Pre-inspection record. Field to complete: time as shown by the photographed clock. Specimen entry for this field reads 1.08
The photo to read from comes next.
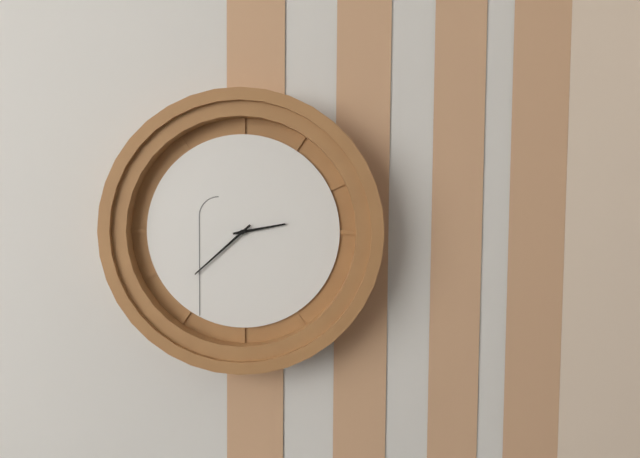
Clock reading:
2.38
